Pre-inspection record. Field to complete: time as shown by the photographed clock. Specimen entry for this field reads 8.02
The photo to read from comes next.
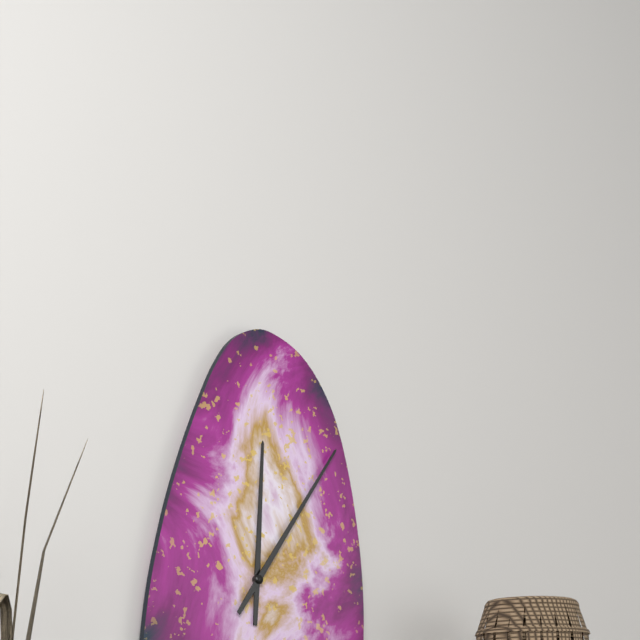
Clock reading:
12.06
